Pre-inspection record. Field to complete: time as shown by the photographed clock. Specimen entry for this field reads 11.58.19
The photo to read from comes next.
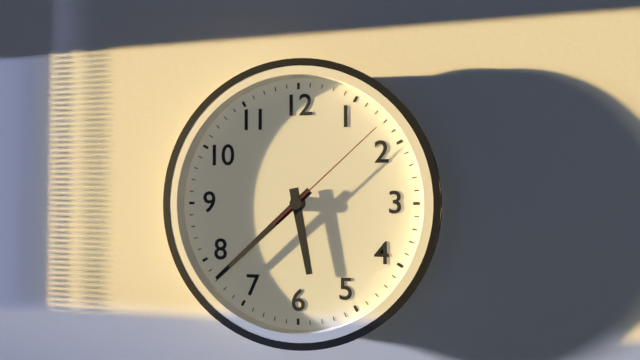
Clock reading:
5.38.08
